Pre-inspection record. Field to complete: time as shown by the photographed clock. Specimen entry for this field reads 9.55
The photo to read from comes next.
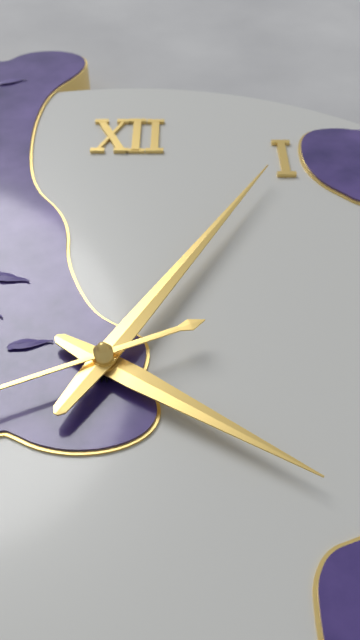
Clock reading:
4.05
